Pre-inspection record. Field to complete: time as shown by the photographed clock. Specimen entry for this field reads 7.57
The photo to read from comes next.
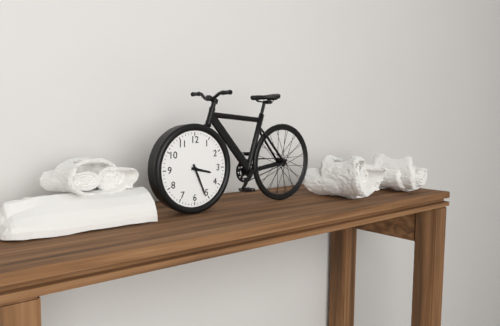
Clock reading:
3.26
